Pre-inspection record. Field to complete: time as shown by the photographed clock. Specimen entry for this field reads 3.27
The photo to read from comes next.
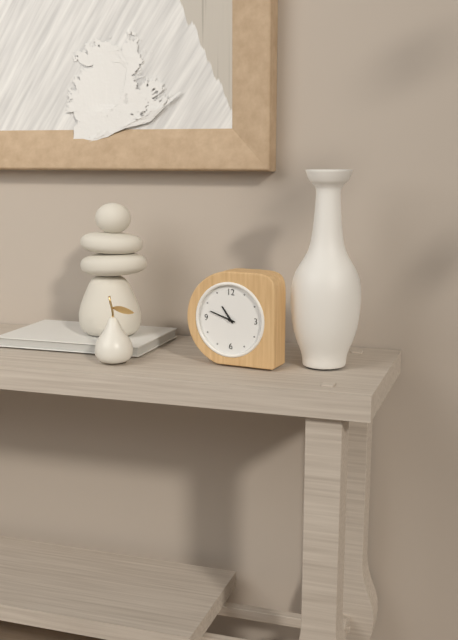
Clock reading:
10.48
